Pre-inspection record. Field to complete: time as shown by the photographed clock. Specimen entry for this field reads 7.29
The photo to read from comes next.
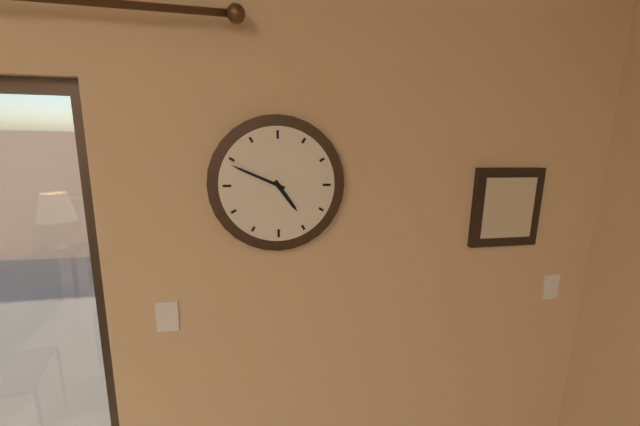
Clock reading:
4.49
